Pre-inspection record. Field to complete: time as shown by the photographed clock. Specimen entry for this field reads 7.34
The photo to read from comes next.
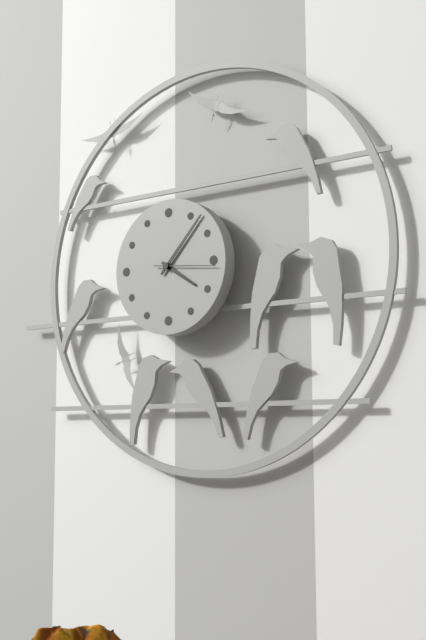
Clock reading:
4.07
